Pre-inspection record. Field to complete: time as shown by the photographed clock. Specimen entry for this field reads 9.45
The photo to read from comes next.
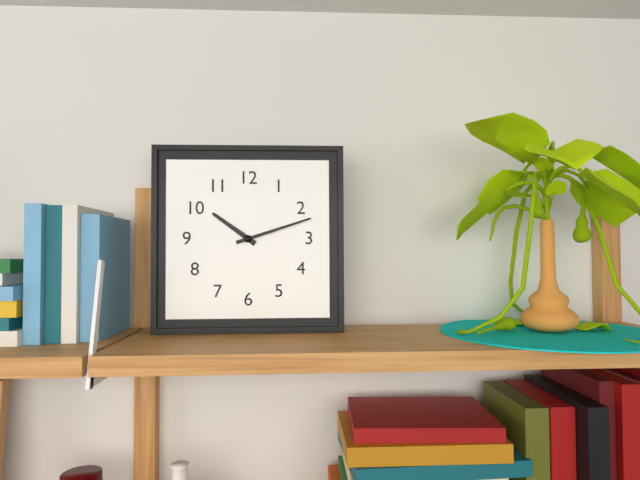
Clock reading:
10.12
